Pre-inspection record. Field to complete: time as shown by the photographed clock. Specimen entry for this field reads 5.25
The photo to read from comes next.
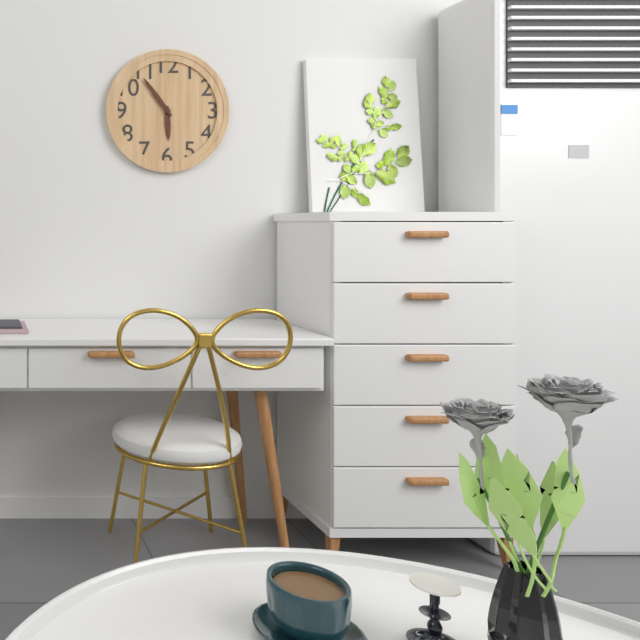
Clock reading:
5.54
